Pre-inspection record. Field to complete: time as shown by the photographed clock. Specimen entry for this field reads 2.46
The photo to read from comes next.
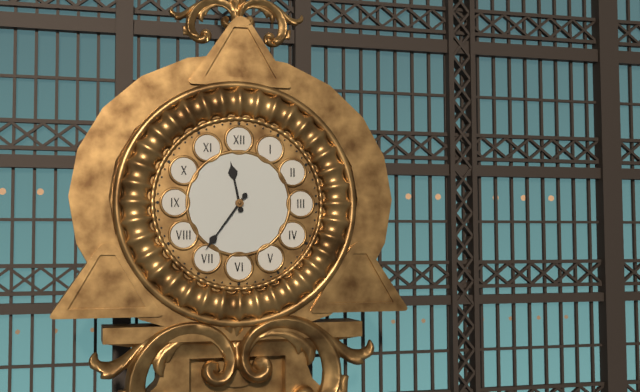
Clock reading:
11.36
